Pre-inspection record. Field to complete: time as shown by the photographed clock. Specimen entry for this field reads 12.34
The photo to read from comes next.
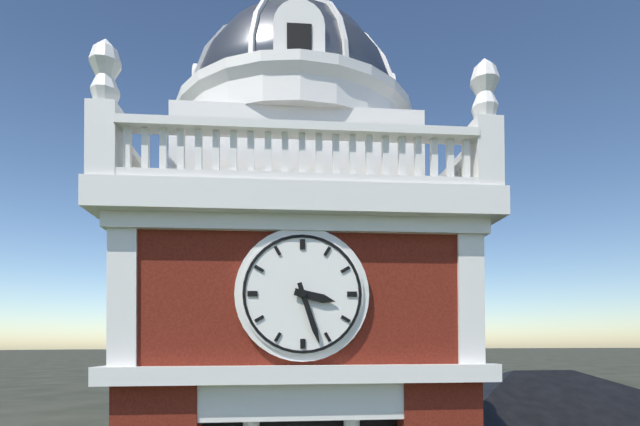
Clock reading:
3.27
